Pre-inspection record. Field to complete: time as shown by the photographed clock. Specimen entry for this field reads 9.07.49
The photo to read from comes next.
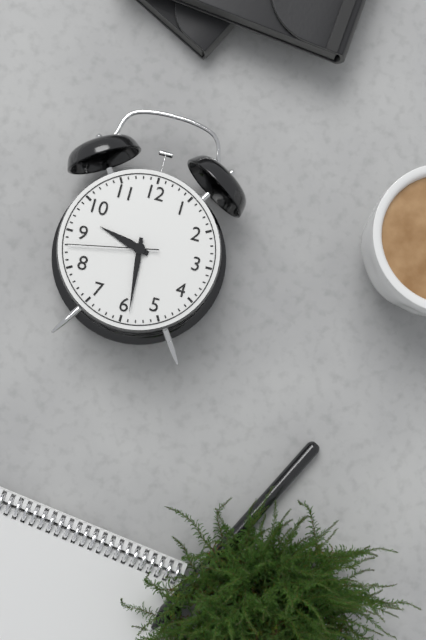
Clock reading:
9.29.43
